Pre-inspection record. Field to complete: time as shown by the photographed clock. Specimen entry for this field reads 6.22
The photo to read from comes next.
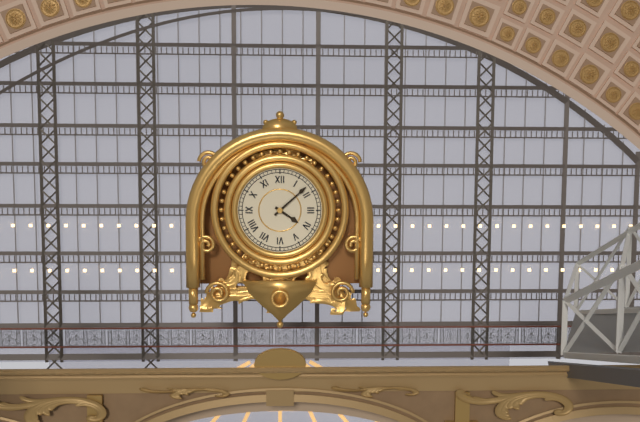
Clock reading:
4.08
